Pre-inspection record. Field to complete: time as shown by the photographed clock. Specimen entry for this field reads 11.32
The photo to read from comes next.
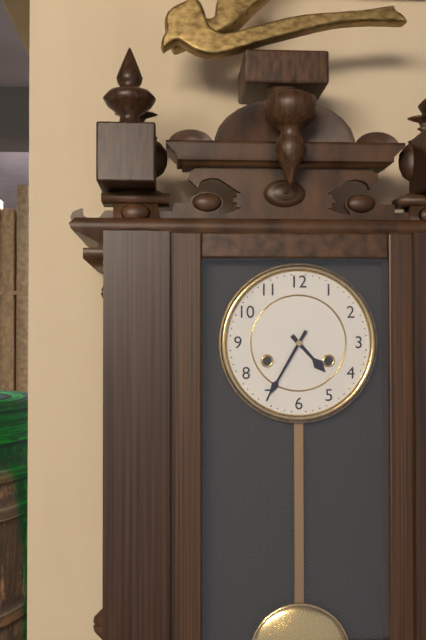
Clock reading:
4.35
